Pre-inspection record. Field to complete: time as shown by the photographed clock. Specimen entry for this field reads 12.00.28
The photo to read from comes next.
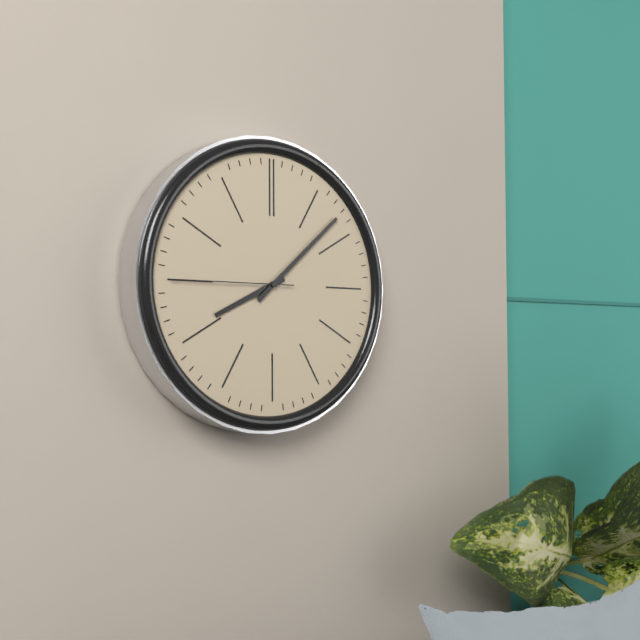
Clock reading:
8.08.45
